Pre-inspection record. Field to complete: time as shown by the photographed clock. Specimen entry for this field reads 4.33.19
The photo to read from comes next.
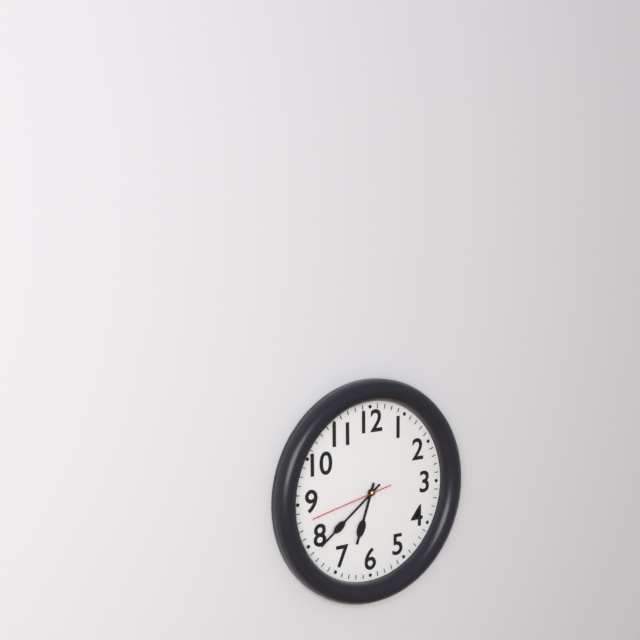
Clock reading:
6.39.43
